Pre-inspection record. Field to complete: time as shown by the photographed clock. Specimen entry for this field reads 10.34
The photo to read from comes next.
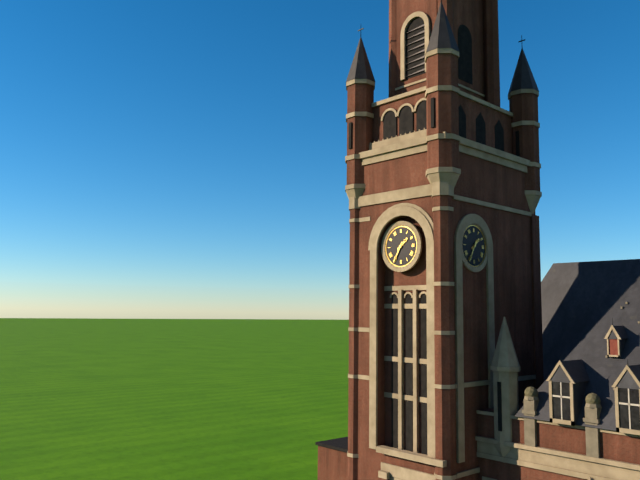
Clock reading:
1.35
